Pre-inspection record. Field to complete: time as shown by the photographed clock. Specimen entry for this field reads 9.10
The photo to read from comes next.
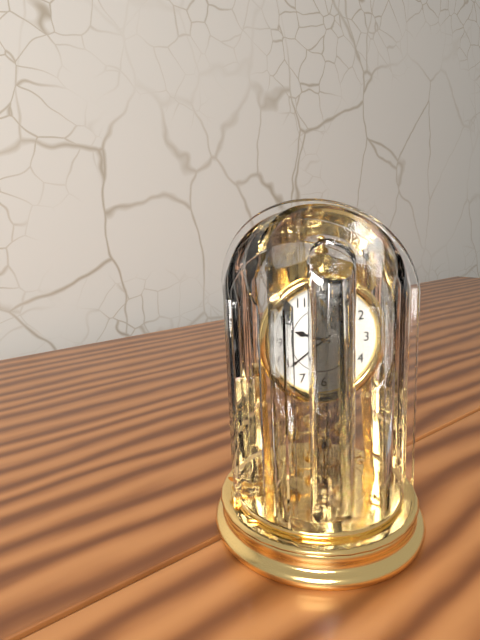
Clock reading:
9.39
